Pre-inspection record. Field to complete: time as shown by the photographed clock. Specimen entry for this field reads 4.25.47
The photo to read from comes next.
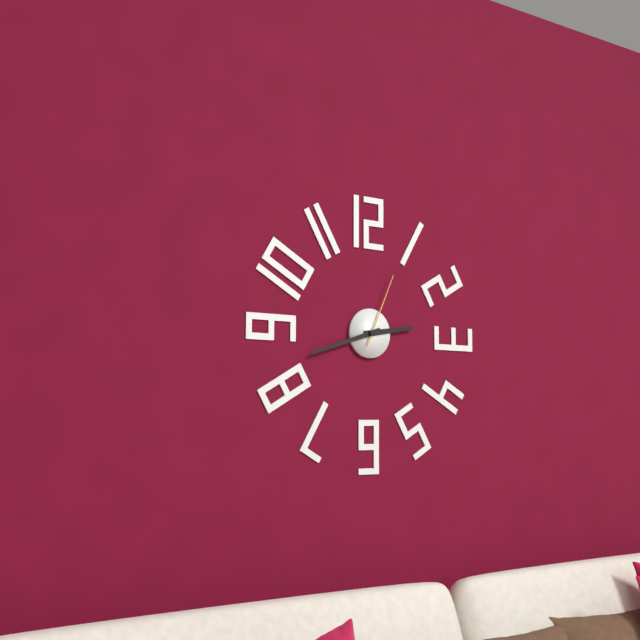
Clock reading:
2.42.04
